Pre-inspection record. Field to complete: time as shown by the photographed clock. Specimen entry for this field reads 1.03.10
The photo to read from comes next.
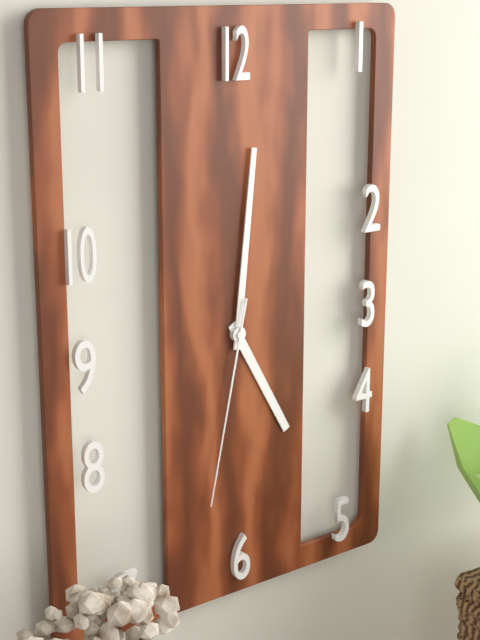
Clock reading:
5.01.32
